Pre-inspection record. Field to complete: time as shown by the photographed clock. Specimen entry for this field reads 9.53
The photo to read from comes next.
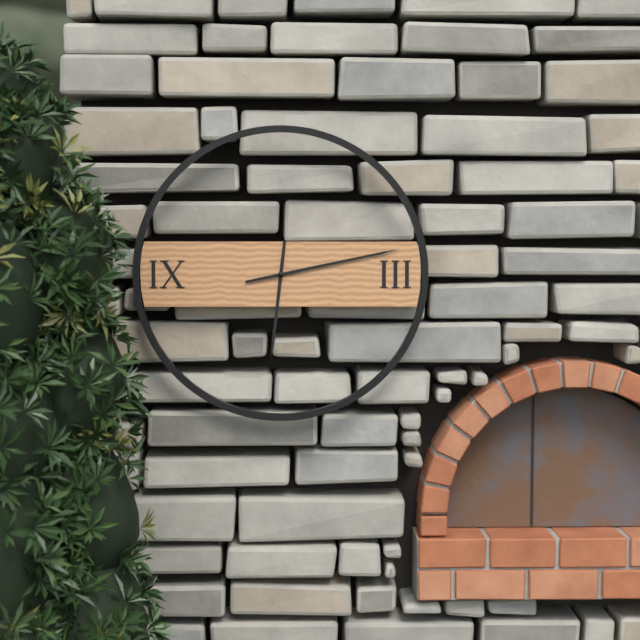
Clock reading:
6.13
